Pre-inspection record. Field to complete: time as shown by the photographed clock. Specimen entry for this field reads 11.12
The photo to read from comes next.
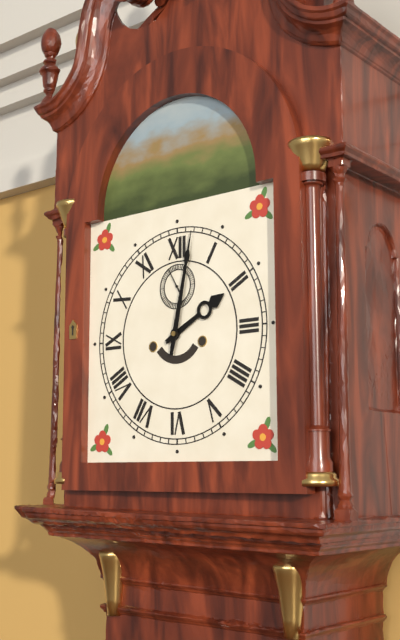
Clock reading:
2.02
